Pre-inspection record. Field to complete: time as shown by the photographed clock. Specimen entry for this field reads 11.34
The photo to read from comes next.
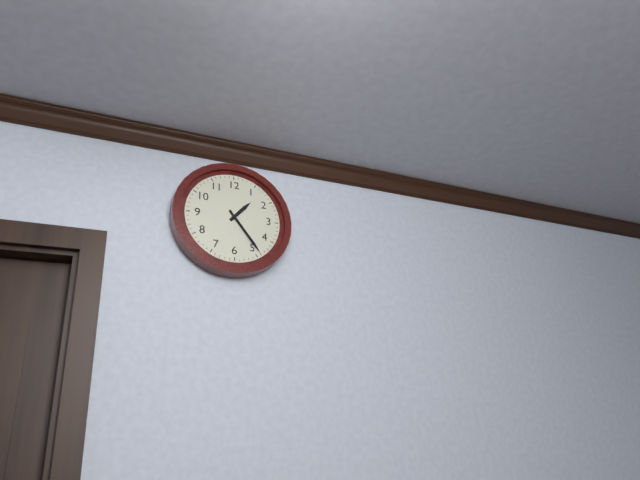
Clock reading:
1.24
